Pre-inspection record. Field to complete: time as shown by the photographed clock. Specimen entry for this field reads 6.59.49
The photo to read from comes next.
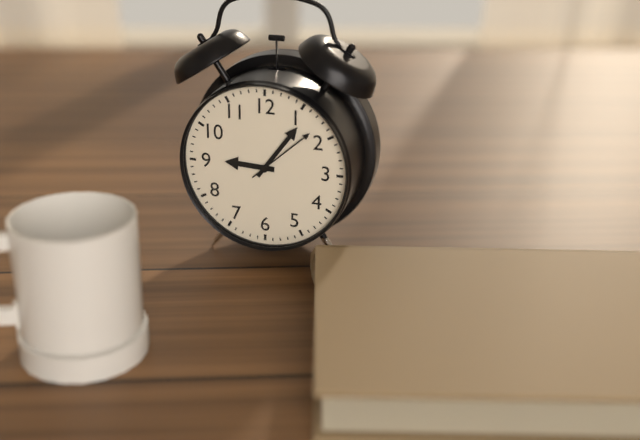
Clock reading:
9.06.08
